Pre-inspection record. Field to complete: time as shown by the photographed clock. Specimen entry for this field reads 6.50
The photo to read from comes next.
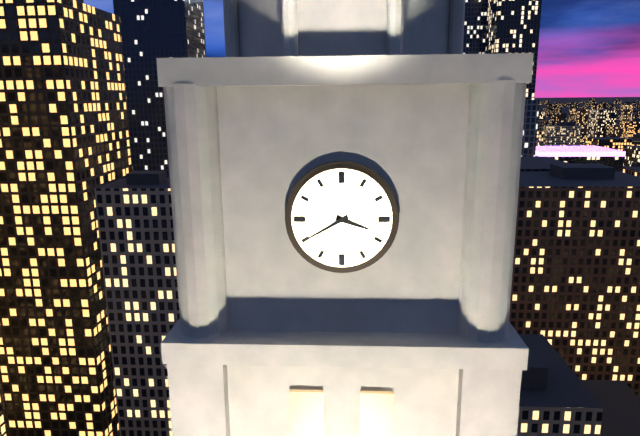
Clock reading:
3.40
